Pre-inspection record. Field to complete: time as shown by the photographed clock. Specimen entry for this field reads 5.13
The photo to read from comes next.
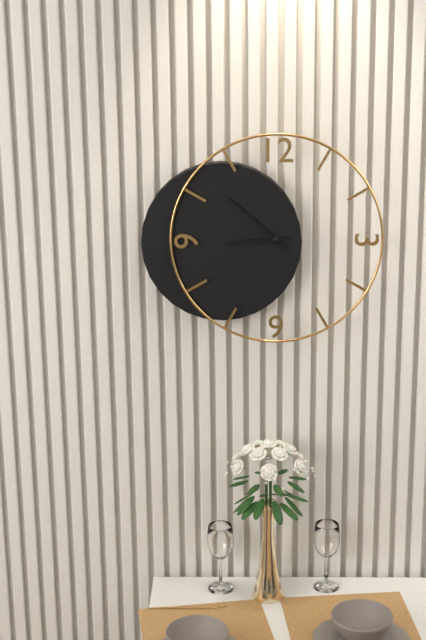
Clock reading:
8.52
